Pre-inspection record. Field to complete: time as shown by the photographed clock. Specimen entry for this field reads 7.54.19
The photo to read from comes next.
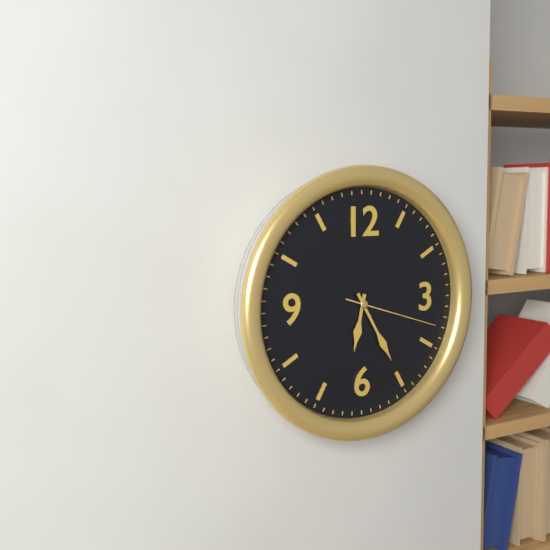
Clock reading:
6.25.18
